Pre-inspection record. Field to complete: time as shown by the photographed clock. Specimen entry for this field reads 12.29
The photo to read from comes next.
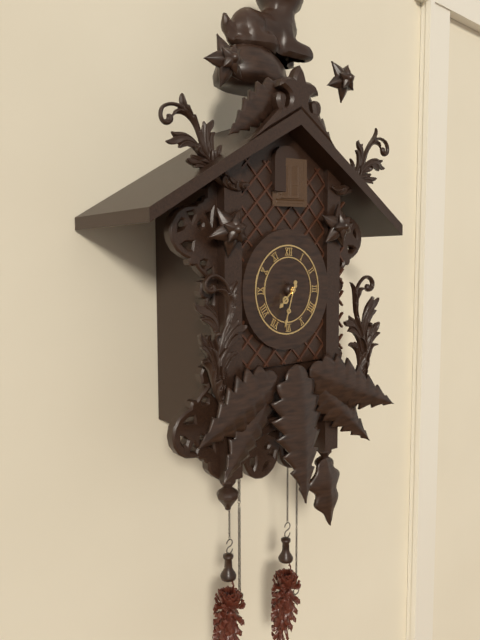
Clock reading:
7.33
